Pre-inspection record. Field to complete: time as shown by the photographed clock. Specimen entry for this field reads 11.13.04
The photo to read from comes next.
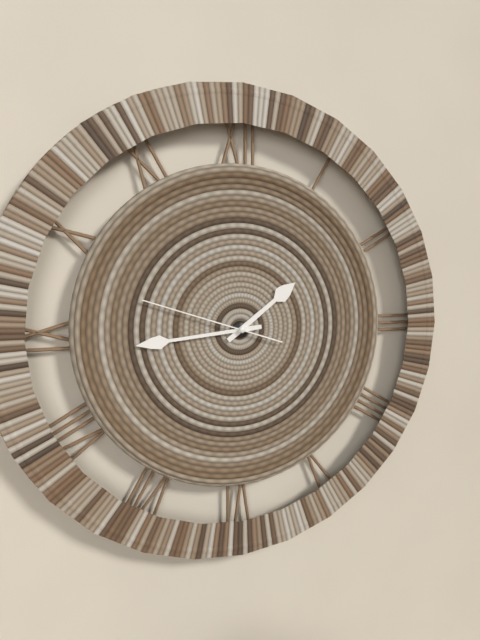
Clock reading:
1.44.48
